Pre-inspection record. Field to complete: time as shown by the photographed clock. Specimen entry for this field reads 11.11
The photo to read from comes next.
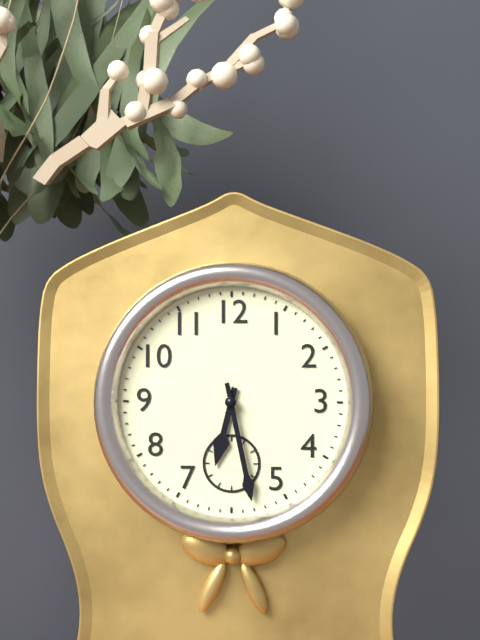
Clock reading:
6.28
